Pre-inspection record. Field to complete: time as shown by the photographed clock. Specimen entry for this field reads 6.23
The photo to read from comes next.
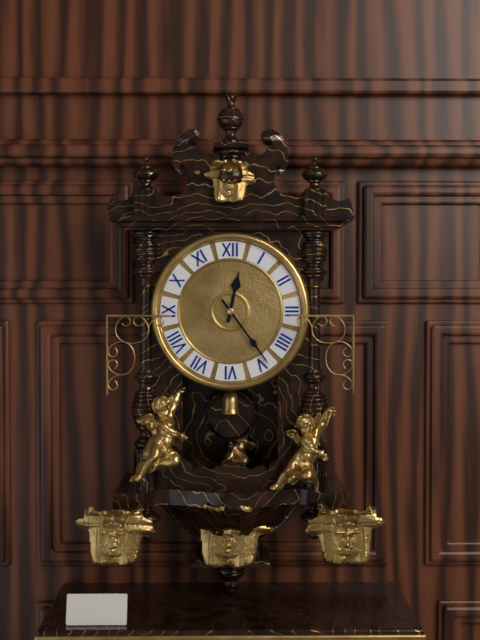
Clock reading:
12.24
